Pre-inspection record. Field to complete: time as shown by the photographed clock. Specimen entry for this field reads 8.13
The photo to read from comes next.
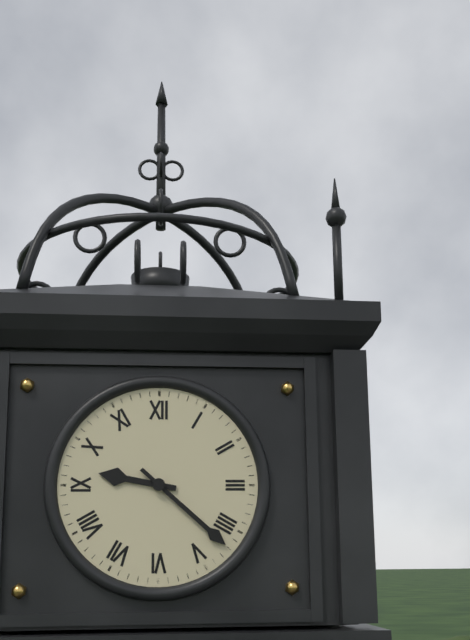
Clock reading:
9.22
